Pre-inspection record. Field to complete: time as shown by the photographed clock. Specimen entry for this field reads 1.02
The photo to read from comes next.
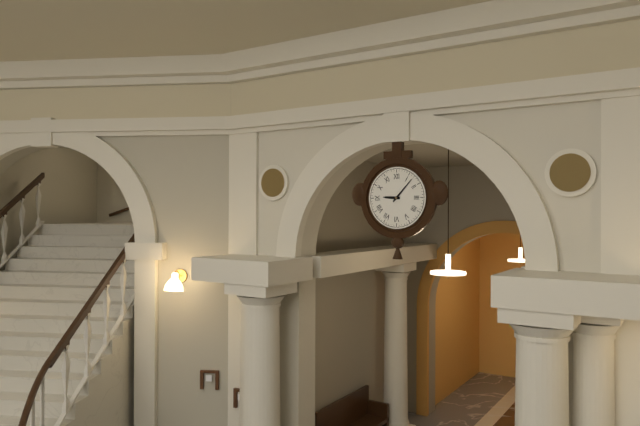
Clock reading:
9.07
